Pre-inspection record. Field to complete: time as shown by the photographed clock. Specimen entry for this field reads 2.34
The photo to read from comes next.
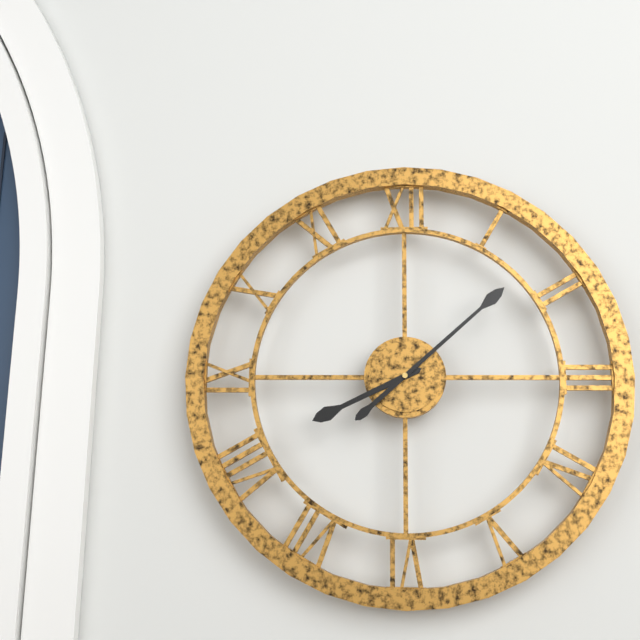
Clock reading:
8.08
